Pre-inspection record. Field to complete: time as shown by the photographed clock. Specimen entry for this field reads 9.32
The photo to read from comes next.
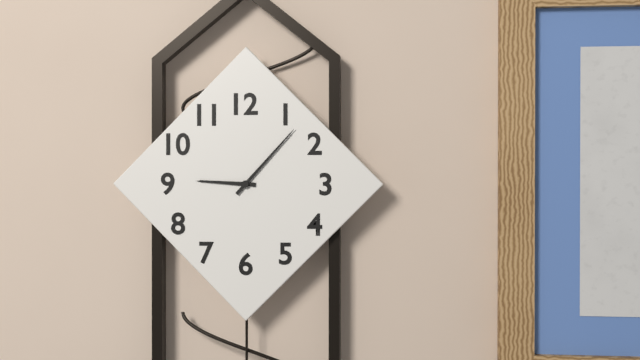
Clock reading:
9.07
